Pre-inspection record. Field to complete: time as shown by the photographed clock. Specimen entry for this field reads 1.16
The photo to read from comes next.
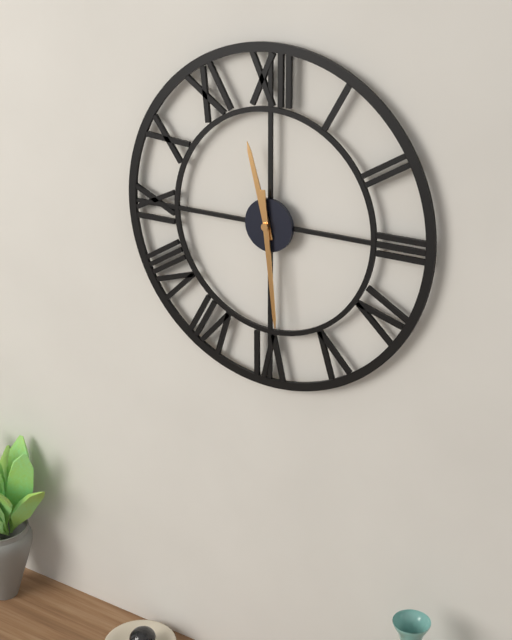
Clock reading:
11.29
